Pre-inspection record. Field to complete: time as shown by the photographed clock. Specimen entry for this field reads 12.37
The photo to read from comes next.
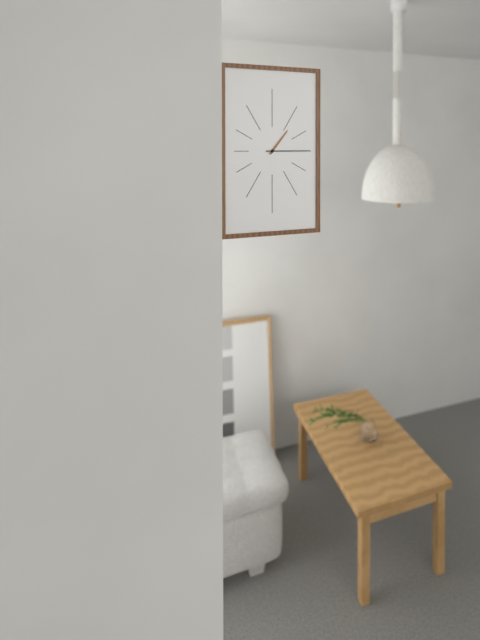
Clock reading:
1.15
